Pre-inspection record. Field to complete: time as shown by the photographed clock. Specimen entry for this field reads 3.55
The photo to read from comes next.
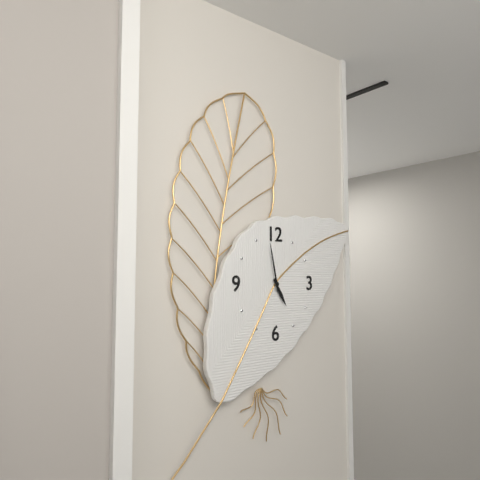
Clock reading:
4.58
